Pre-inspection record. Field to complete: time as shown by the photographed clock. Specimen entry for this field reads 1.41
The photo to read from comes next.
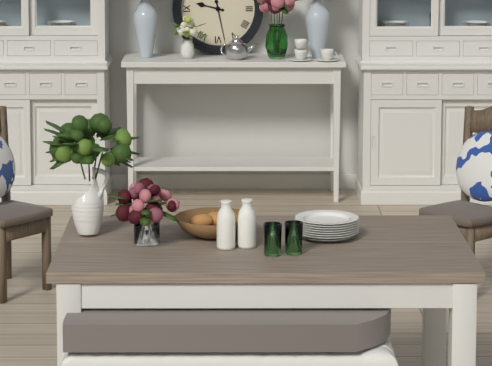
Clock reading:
9.28
